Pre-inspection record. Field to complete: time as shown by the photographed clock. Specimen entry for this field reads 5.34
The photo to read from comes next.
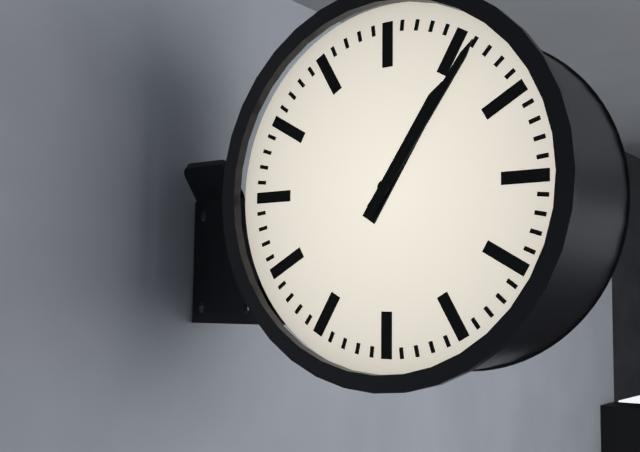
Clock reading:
1.06
